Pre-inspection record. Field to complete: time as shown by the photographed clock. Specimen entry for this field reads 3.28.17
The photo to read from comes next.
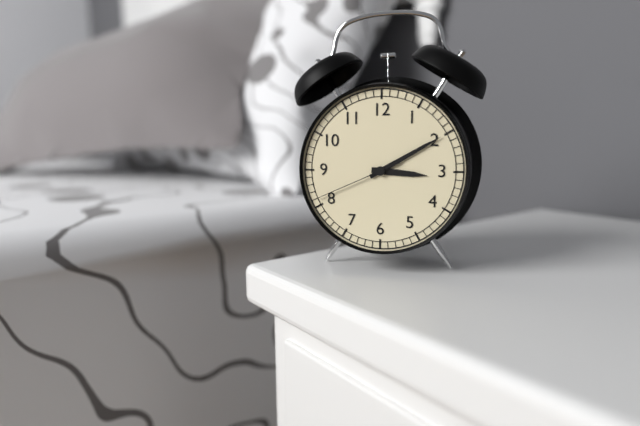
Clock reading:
3.10.41
